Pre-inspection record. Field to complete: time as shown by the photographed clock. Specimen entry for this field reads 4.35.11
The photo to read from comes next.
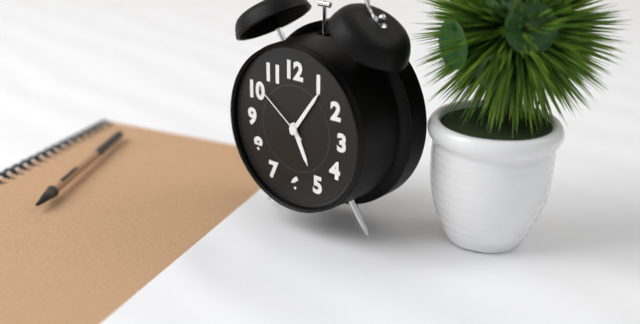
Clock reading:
5.06.51
